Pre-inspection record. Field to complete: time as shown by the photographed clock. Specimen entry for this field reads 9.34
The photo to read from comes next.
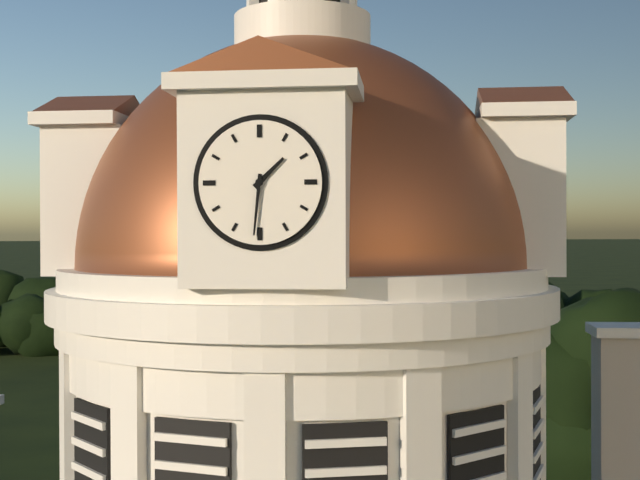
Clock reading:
1.31
